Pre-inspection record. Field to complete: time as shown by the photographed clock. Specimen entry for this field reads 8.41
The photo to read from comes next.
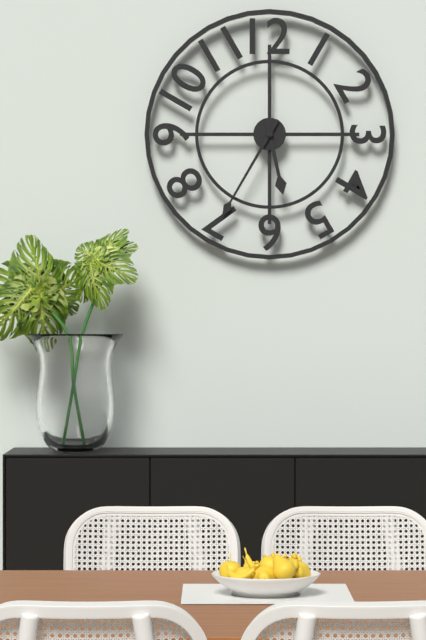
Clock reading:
5.35
